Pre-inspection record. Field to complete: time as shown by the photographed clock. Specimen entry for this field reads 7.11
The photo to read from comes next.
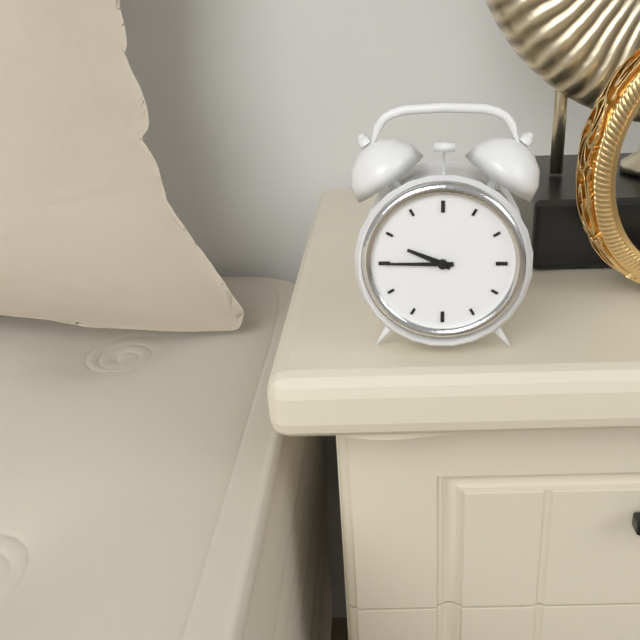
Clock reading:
9.45
